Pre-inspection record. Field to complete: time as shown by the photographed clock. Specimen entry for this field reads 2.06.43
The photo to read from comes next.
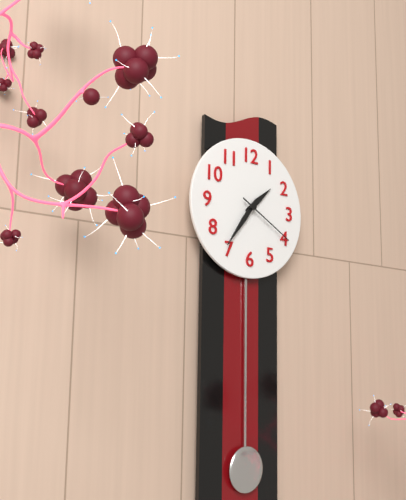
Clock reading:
1.36.20
